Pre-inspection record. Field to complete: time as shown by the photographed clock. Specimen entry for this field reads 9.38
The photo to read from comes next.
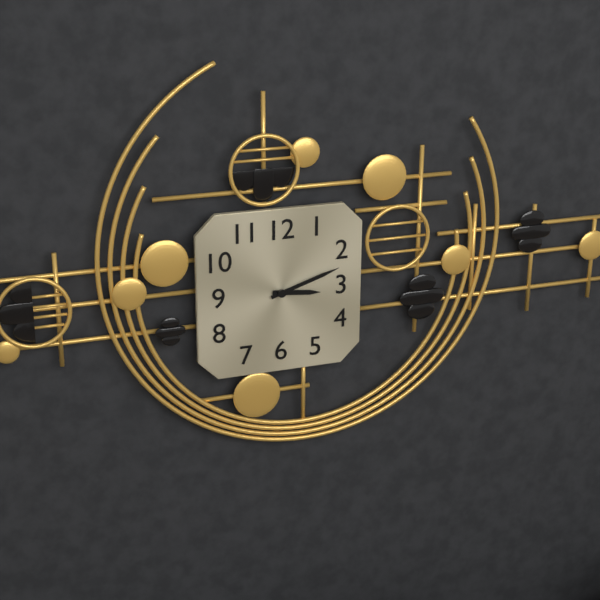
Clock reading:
3.12
